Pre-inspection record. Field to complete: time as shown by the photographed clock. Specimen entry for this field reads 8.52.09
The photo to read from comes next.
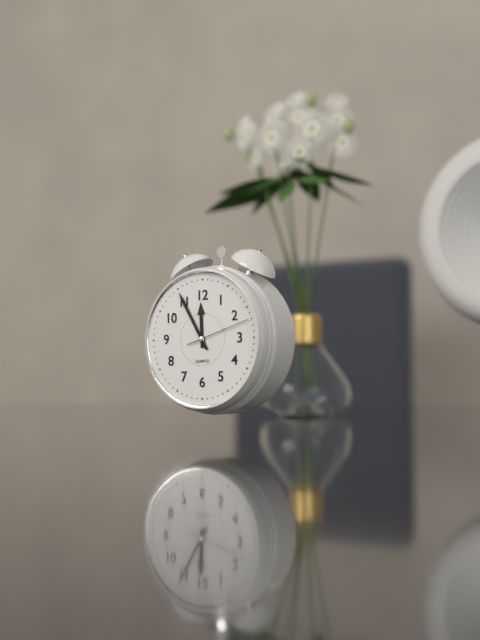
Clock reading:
11.55.12
